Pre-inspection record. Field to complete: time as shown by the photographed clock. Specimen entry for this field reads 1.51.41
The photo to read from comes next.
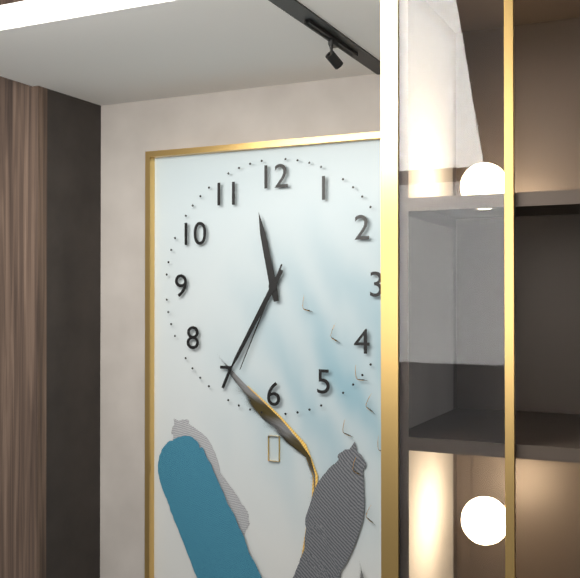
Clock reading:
11.35.34
